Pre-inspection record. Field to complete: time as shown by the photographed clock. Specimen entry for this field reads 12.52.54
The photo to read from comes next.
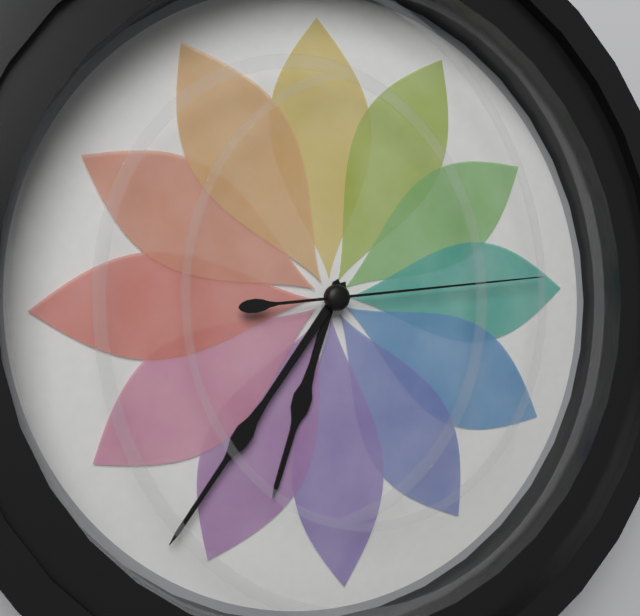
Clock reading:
6.36.14
